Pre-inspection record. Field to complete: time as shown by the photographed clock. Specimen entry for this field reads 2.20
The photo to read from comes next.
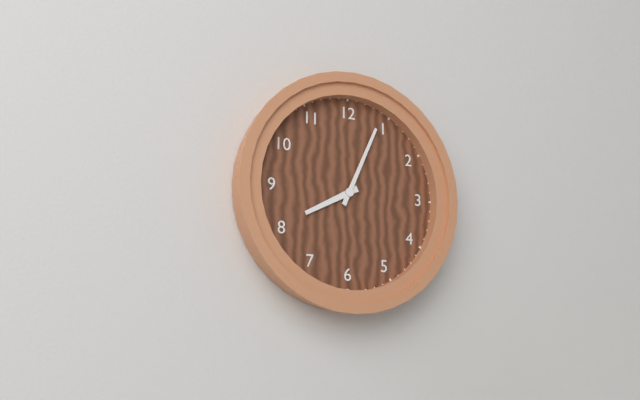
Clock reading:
8.04
